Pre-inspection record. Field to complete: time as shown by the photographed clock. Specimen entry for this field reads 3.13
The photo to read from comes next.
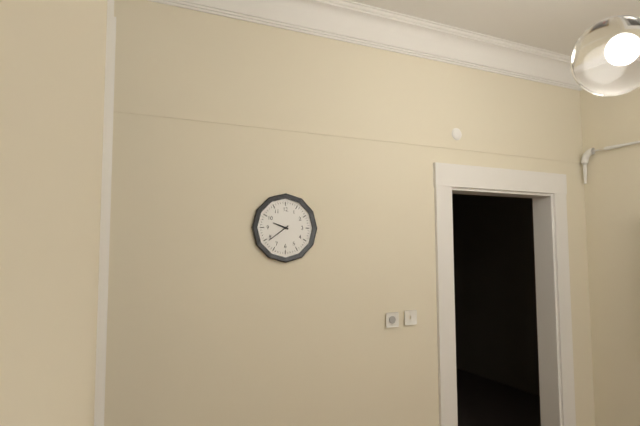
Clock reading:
9.39
